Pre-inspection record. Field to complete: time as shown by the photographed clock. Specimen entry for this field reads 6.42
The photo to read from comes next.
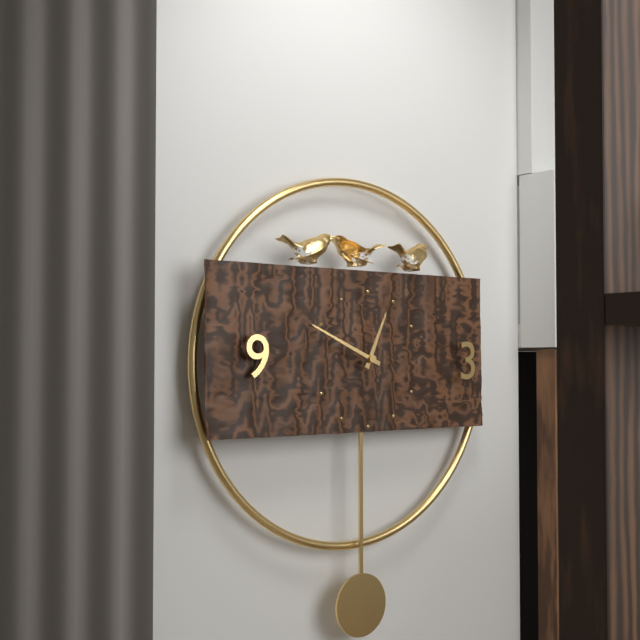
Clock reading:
12.49
